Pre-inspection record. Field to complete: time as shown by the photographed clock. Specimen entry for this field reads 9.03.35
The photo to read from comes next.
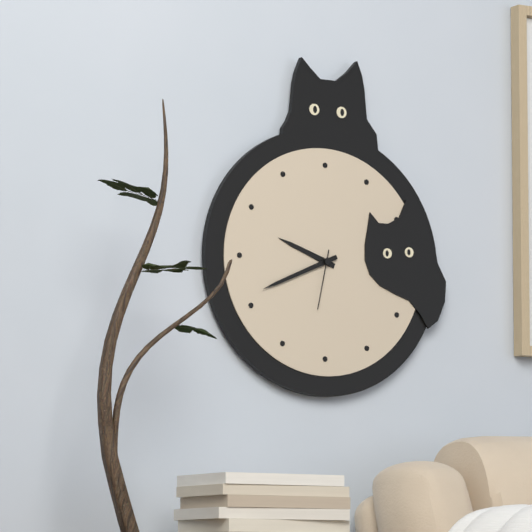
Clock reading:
9.41.32
